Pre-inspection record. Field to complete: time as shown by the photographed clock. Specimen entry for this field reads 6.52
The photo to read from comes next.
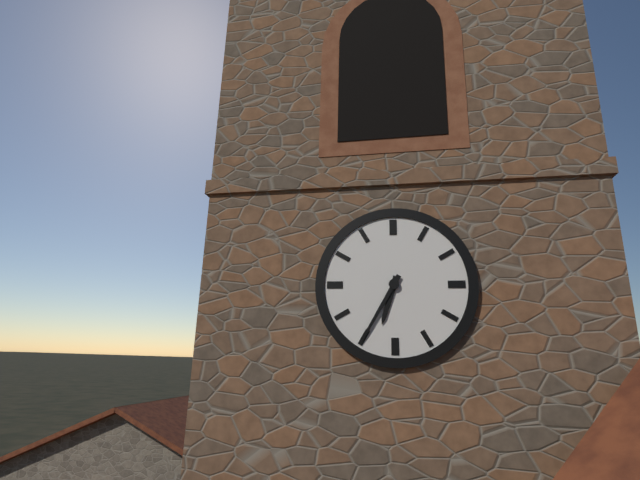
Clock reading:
6.35
